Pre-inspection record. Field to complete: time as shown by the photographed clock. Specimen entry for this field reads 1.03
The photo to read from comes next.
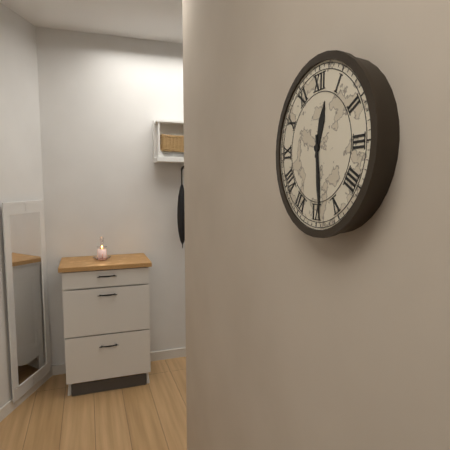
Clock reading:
12.29
